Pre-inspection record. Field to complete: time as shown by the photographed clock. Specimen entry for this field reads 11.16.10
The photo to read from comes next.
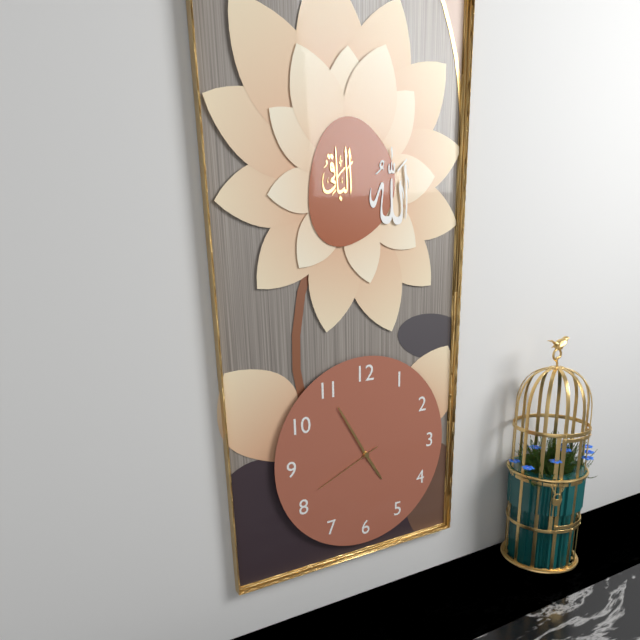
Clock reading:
4.55.41
